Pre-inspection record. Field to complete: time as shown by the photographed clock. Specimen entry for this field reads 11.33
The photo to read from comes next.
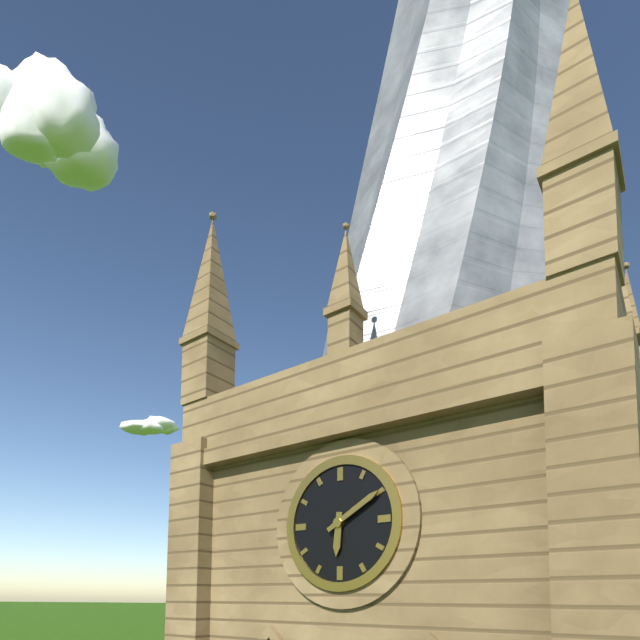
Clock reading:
6.10
